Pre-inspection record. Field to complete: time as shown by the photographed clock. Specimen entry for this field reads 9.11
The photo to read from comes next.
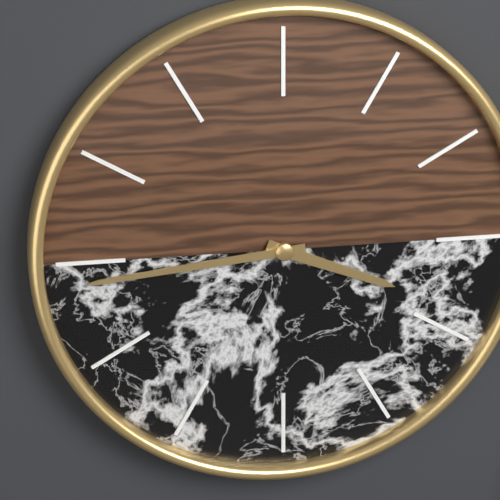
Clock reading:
3.44
